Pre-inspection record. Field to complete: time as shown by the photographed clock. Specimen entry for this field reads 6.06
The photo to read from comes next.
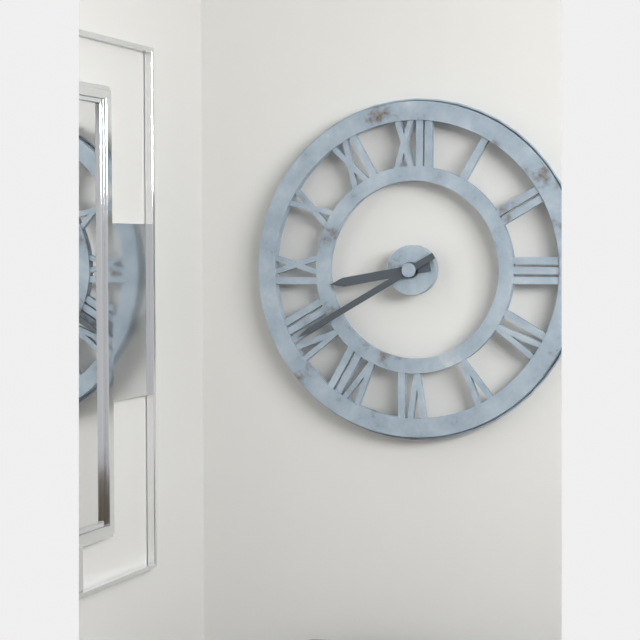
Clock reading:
8.40
